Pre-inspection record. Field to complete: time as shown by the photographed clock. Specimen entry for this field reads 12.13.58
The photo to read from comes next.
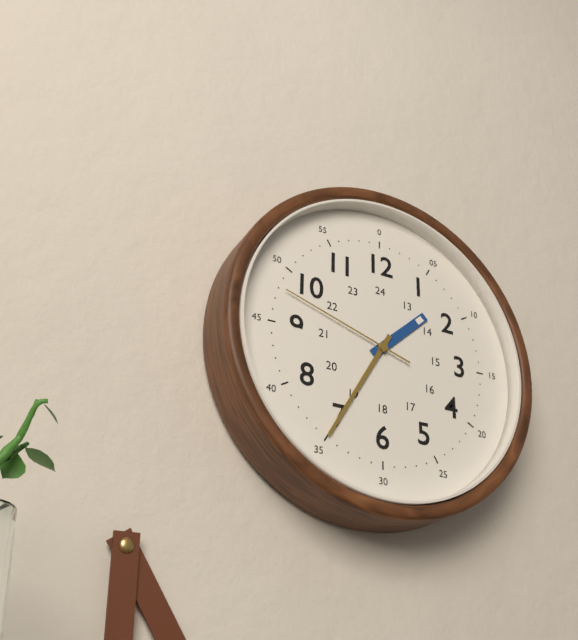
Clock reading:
1.35.48
